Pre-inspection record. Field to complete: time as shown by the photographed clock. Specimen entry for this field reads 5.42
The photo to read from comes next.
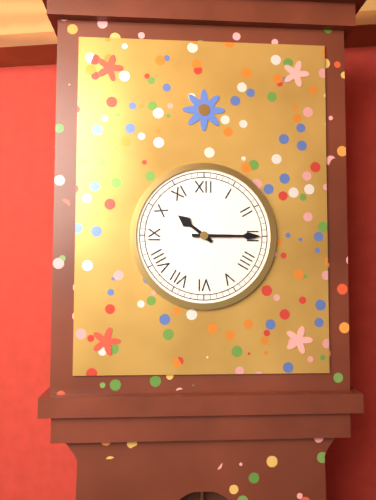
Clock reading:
10.15
